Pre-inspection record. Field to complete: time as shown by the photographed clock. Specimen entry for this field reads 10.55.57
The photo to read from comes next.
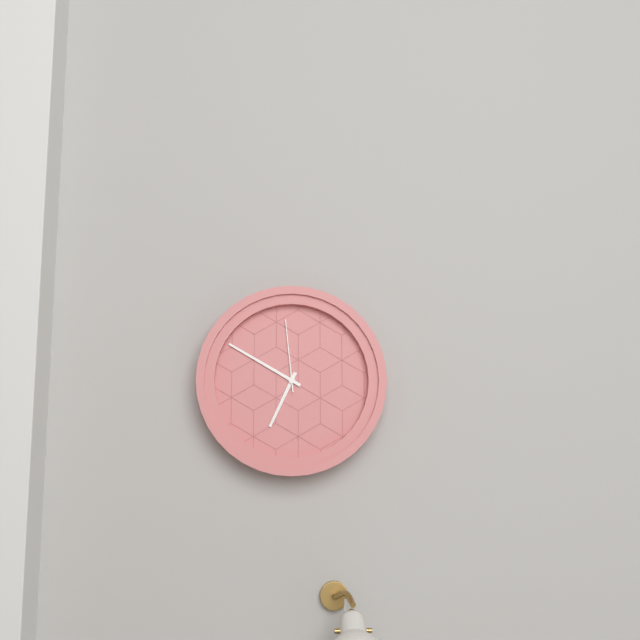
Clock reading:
6.50.59
